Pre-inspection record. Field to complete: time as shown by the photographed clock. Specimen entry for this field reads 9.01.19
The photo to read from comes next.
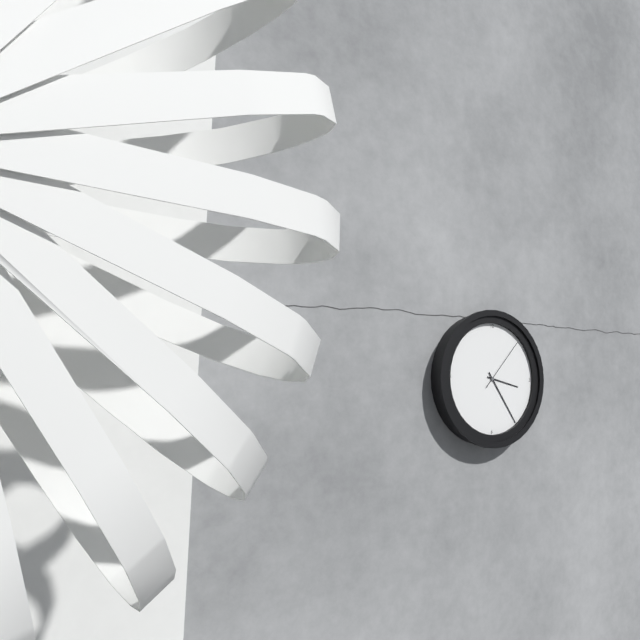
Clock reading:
3.24.07
